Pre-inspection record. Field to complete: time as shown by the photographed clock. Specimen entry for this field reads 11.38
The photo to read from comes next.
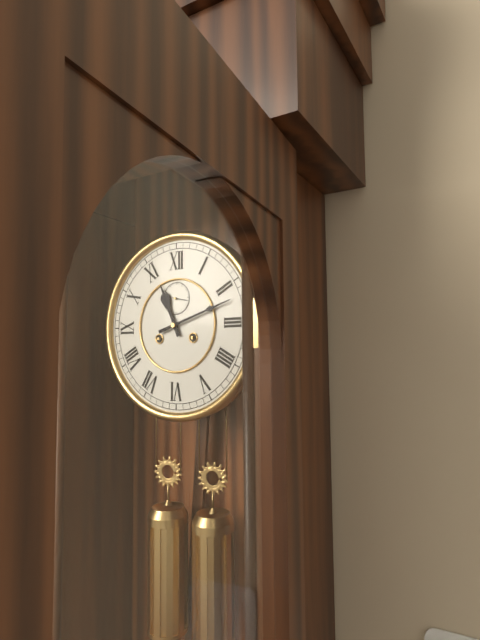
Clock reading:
11.12
